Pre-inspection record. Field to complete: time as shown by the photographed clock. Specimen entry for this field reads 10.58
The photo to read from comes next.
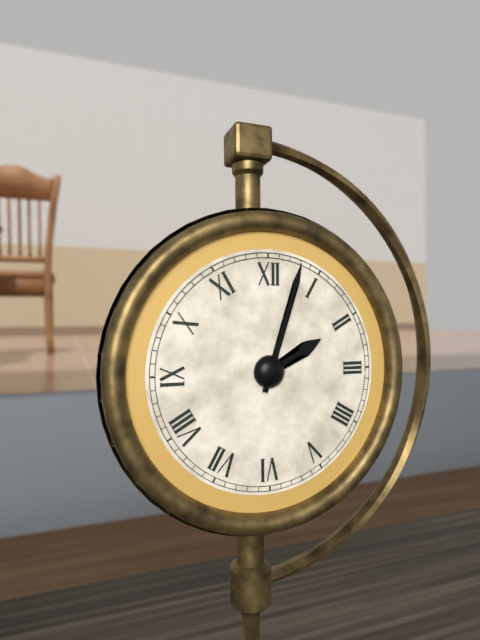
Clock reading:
2.03
